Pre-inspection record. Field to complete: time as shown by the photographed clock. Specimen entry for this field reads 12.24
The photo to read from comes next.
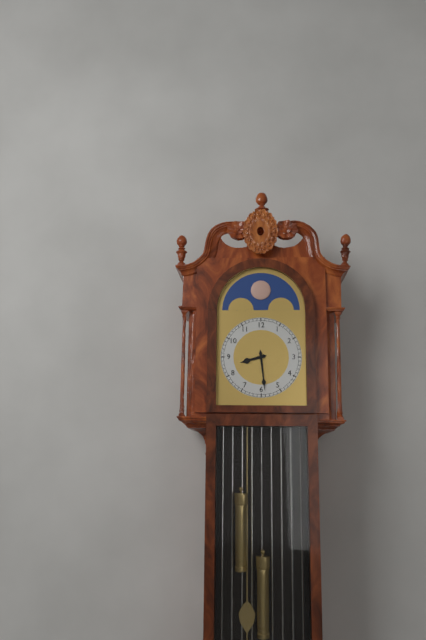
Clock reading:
8.29
